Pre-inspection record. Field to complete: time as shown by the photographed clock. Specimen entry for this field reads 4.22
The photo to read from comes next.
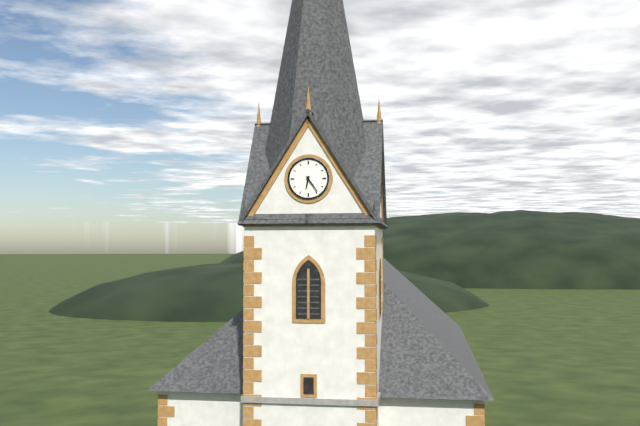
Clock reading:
6.24
